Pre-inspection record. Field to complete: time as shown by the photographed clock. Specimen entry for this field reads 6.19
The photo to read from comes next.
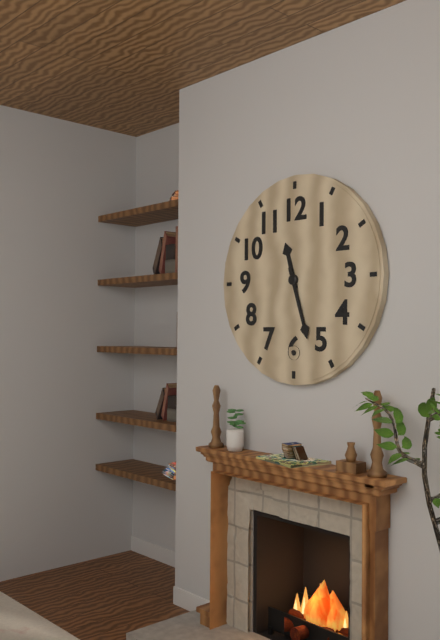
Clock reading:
11.27
